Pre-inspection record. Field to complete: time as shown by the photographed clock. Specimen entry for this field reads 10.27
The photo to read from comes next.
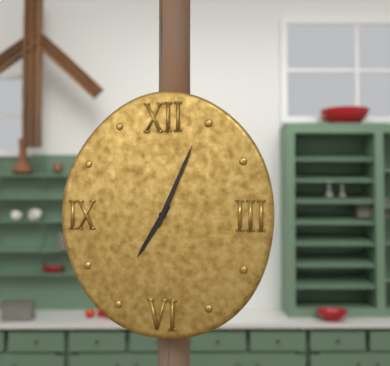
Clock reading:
7.04
